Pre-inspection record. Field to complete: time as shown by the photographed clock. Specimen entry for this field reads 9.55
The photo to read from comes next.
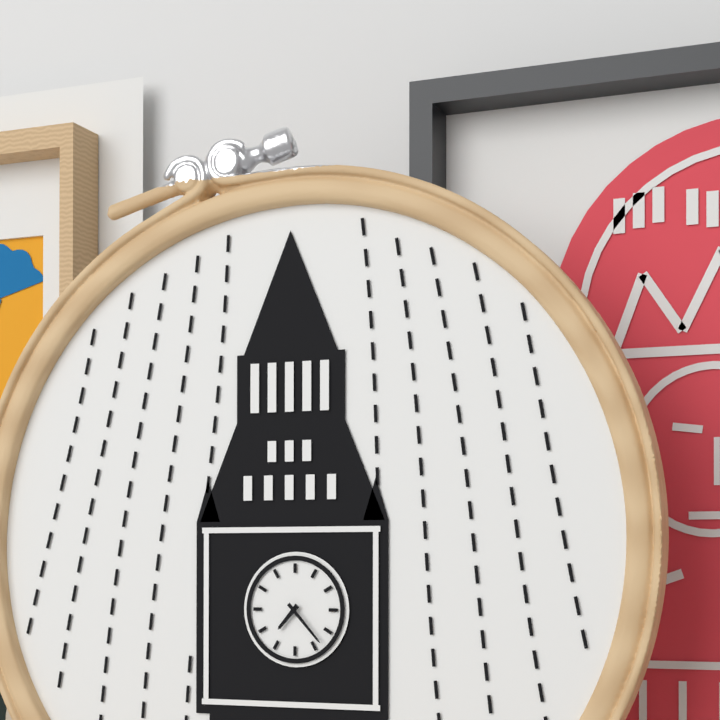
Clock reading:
7.23
